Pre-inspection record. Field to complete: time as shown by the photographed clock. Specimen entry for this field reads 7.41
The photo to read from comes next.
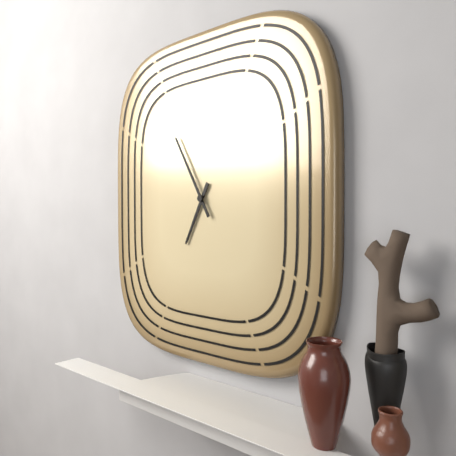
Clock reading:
6.55
